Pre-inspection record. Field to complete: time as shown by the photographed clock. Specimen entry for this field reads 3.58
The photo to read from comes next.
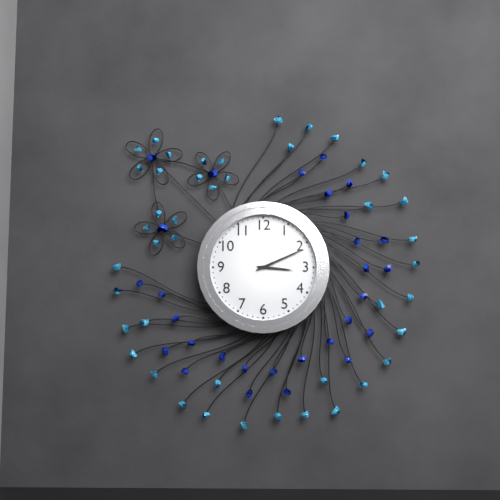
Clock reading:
3.11
